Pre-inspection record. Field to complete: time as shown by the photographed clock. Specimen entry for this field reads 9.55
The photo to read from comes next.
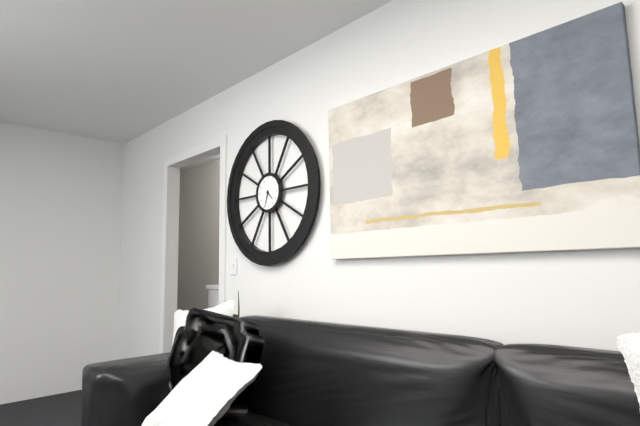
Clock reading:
4.33
